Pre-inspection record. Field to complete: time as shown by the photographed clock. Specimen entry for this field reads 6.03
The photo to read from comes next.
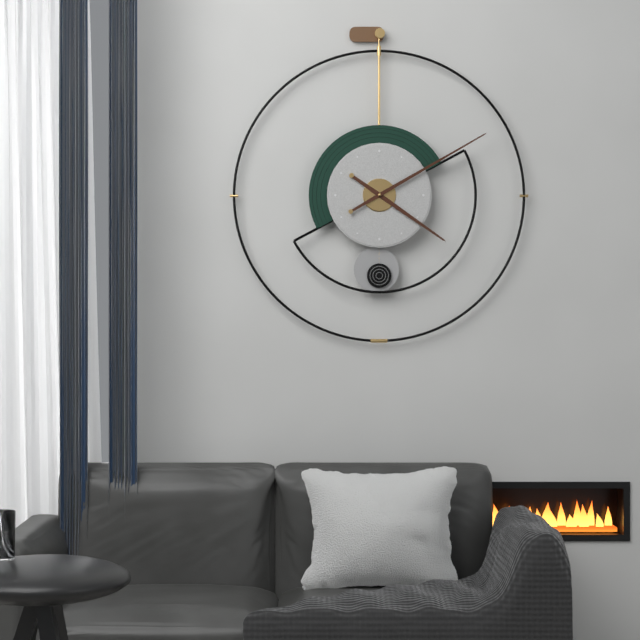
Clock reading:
4.10
